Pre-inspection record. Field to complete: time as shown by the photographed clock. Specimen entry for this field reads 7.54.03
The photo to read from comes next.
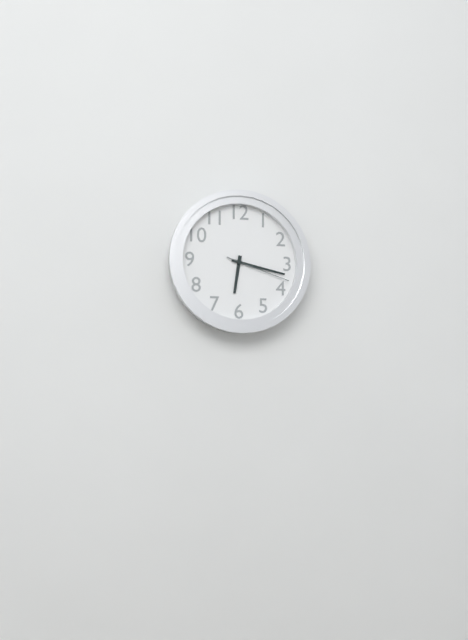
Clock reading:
6.17.18
